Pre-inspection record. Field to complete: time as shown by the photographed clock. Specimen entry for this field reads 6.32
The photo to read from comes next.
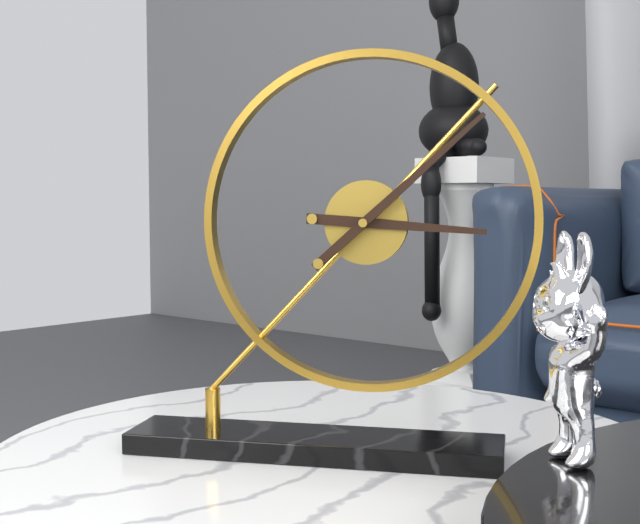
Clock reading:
3.08
